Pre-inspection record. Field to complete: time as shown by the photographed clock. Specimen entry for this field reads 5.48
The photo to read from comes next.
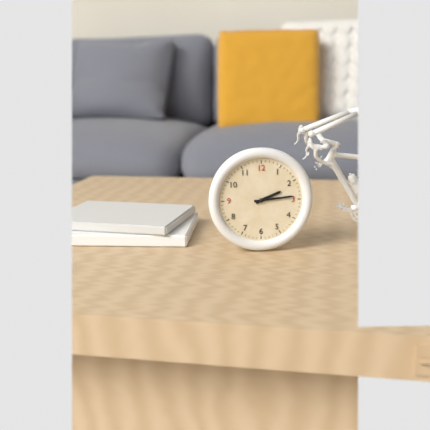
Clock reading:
2.14
